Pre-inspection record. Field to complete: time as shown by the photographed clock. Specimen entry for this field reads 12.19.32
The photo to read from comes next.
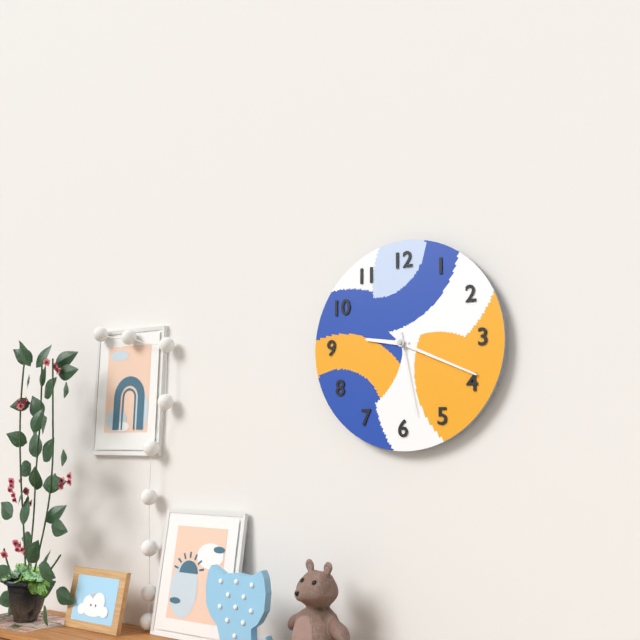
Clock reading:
9.19.28
